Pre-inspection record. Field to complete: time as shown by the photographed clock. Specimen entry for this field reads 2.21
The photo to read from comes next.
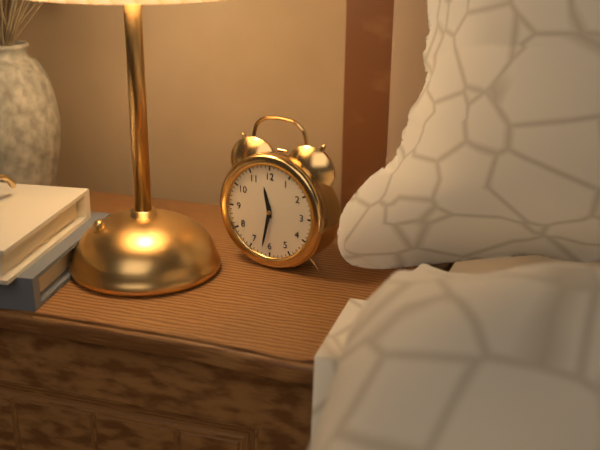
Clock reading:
11.32
